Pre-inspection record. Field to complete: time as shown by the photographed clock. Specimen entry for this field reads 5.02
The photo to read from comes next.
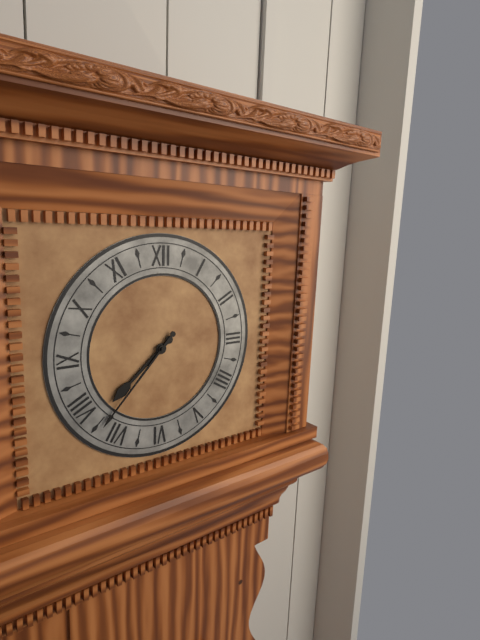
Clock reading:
7.37
